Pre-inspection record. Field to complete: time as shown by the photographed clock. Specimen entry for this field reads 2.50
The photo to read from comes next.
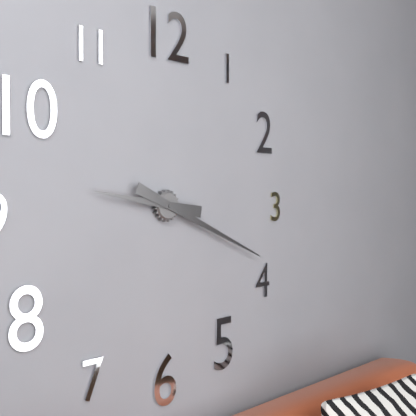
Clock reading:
9.19
